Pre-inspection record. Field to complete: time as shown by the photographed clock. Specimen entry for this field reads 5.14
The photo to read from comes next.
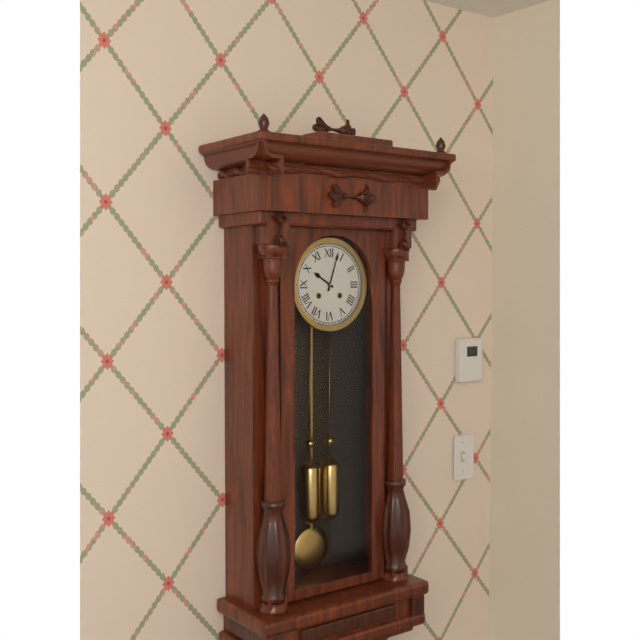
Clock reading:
10.03
